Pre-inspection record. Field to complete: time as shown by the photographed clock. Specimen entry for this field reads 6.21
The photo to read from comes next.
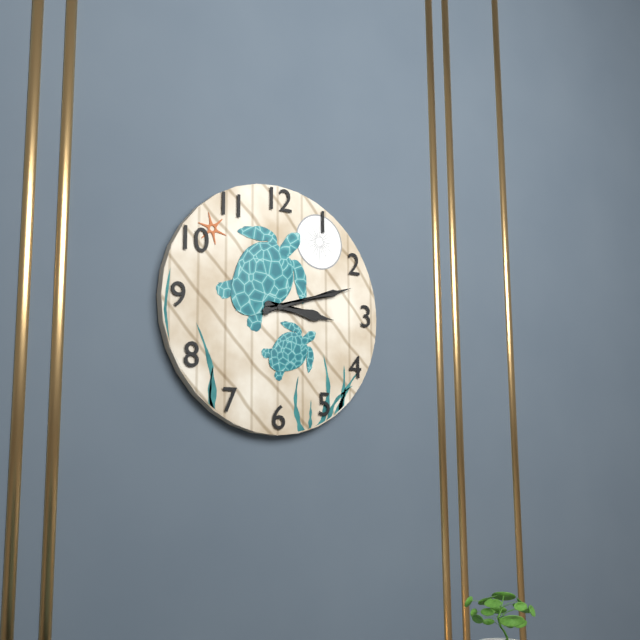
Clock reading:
3.12
